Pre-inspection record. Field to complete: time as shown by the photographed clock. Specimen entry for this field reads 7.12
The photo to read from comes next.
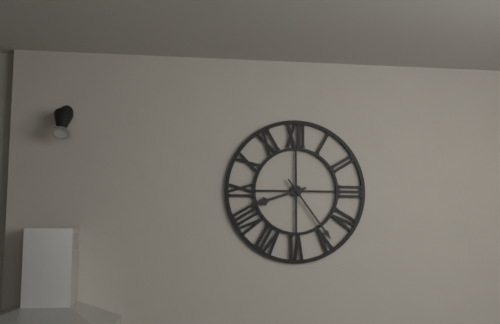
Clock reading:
8.24
